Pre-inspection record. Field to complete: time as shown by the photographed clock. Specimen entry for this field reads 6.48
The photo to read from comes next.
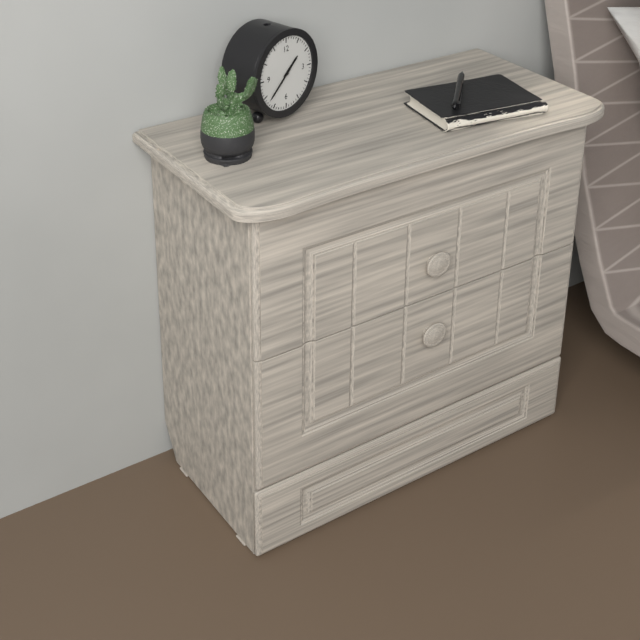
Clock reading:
1.38
